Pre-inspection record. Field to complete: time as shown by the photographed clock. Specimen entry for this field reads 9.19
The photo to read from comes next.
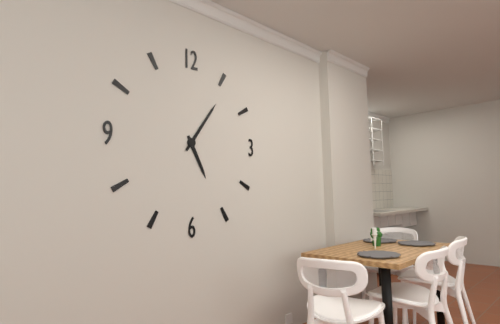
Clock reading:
5.06
